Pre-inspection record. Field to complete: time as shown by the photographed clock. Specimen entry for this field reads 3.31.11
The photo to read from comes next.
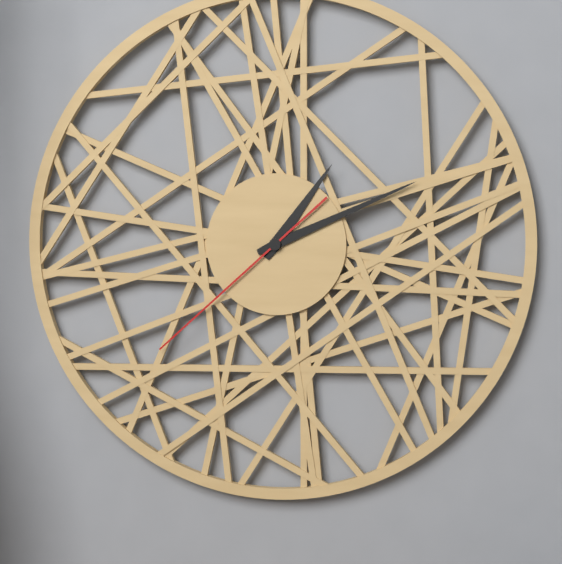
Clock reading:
1.11.38
